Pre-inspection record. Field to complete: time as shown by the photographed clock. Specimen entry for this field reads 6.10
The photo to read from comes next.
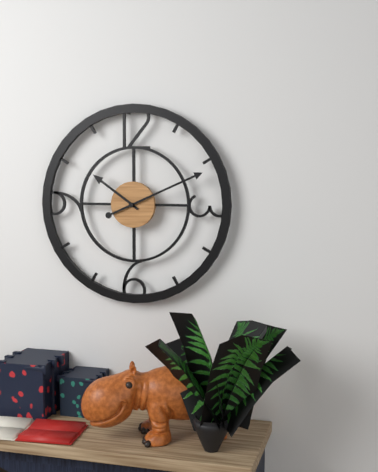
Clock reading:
10.11
